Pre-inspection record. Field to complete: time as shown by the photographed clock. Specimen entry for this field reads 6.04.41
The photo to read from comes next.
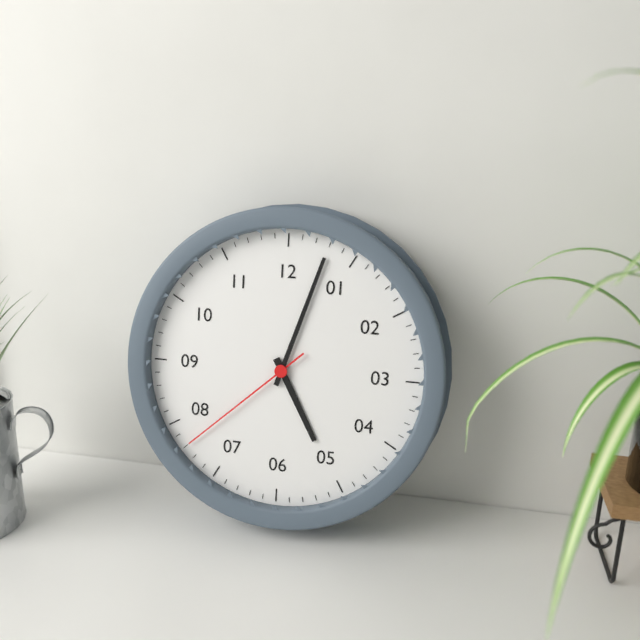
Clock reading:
5.03.38
